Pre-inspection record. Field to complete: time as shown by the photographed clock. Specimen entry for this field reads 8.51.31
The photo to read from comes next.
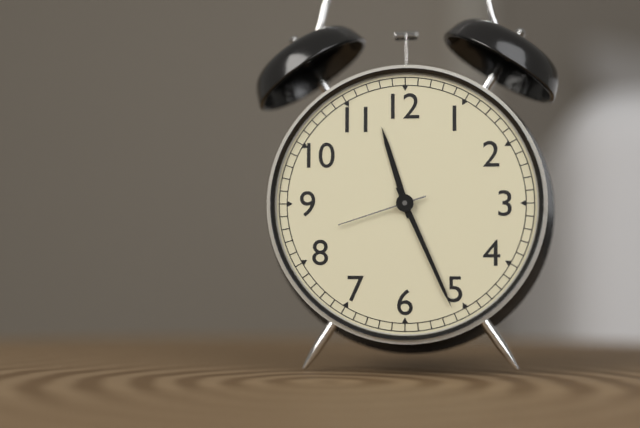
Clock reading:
11.26.42
